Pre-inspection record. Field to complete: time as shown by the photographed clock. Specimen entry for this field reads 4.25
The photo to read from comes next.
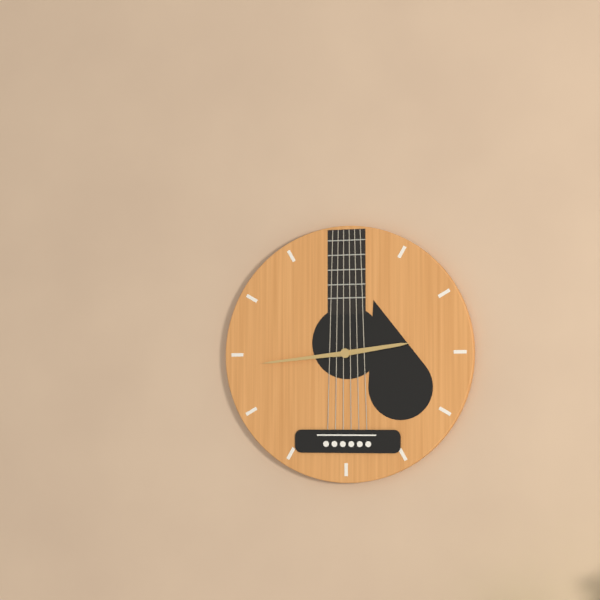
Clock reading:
2.44
